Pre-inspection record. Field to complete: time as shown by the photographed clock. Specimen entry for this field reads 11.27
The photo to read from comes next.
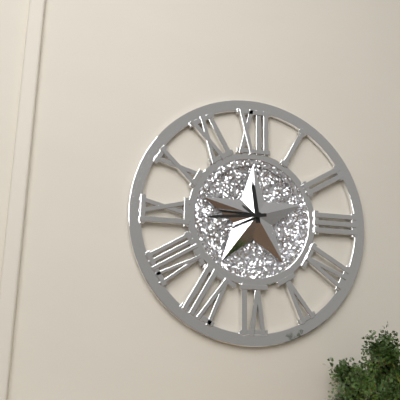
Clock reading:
11.44
